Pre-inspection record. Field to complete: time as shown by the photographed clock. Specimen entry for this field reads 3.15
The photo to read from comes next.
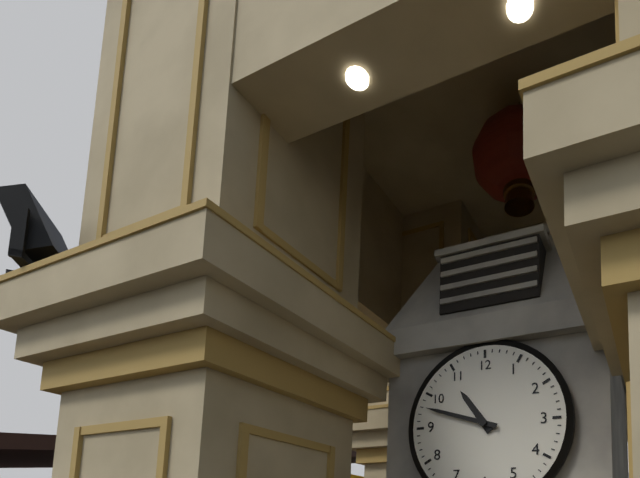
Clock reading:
10.48
